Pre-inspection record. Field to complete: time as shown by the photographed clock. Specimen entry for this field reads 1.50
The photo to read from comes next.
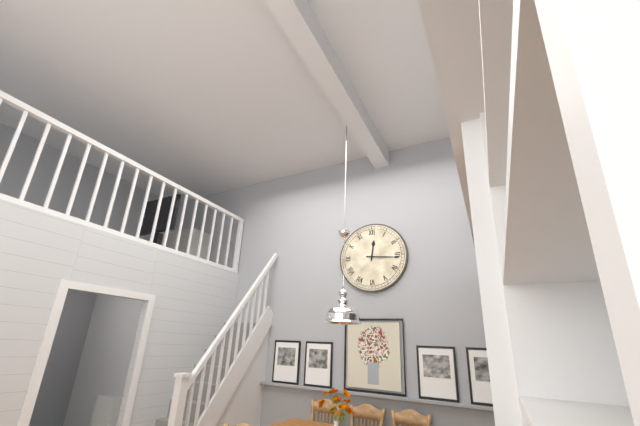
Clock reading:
12.16
